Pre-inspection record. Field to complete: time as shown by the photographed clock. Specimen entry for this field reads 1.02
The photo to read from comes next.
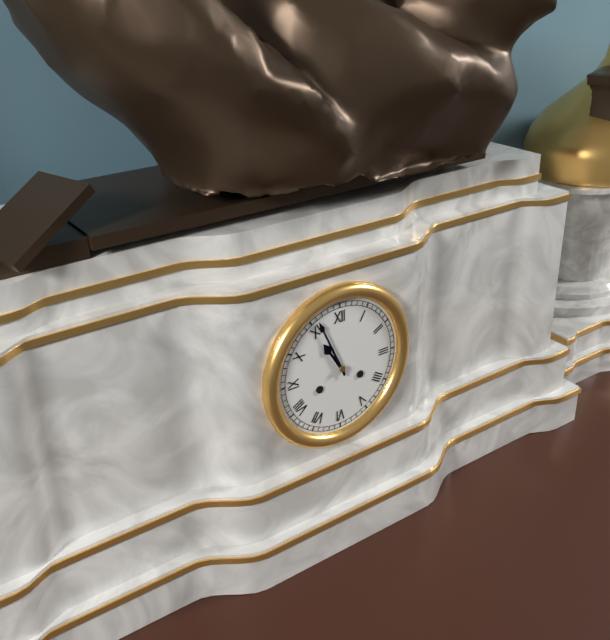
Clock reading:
10.56
